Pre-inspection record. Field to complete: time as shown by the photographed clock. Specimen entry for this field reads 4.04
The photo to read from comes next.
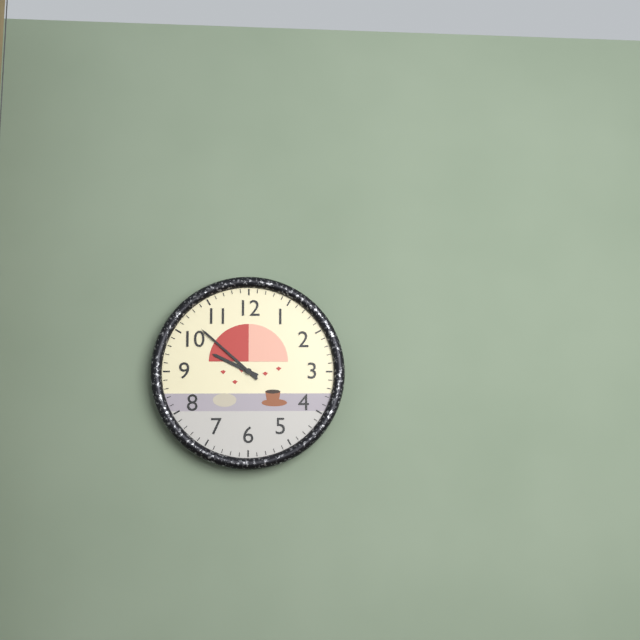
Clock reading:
9.52
